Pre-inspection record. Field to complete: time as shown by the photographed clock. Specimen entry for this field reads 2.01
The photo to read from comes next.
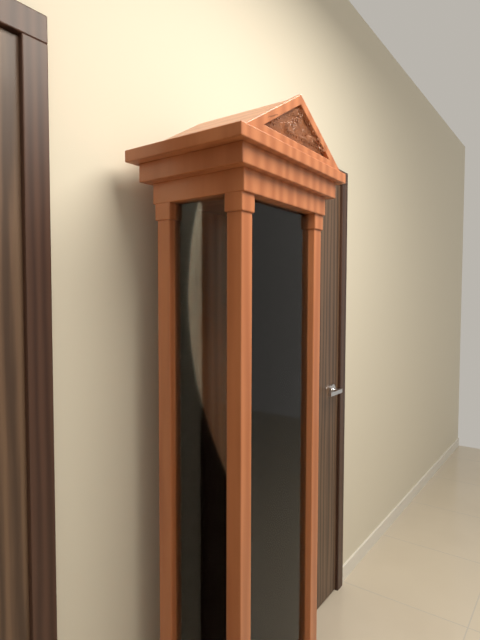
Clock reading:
2.05
